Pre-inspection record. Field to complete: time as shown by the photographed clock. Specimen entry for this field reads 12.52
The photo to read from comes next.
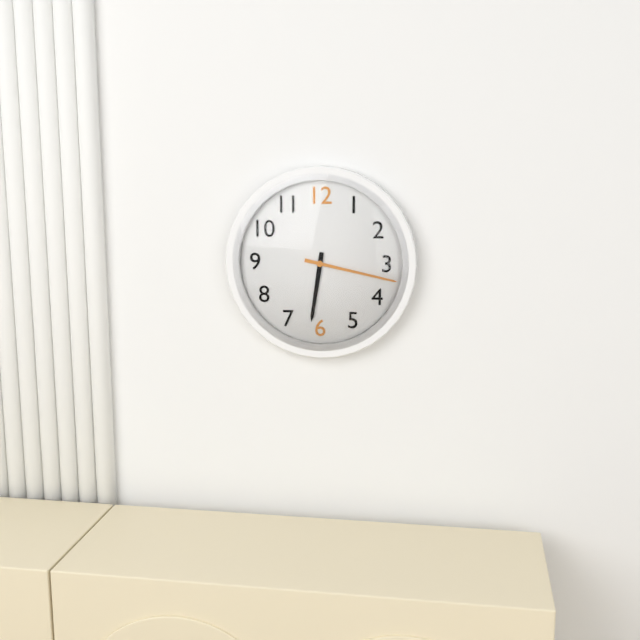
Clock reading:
6.17
